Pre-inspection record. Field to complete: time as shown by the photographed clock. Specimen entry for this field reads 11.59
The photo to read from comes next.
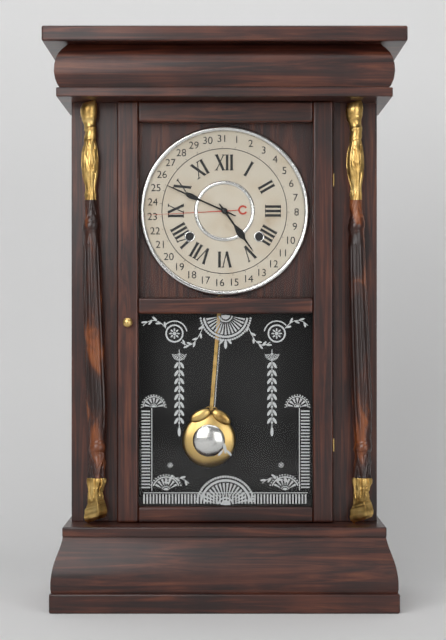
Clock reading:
4.49
